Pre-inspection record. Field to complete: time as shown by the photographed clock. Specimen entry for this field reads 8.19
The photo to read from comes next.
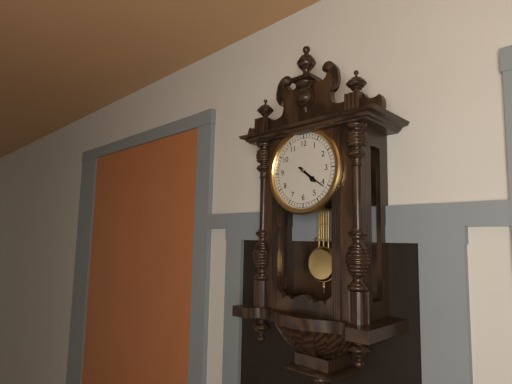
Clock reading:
4.21
